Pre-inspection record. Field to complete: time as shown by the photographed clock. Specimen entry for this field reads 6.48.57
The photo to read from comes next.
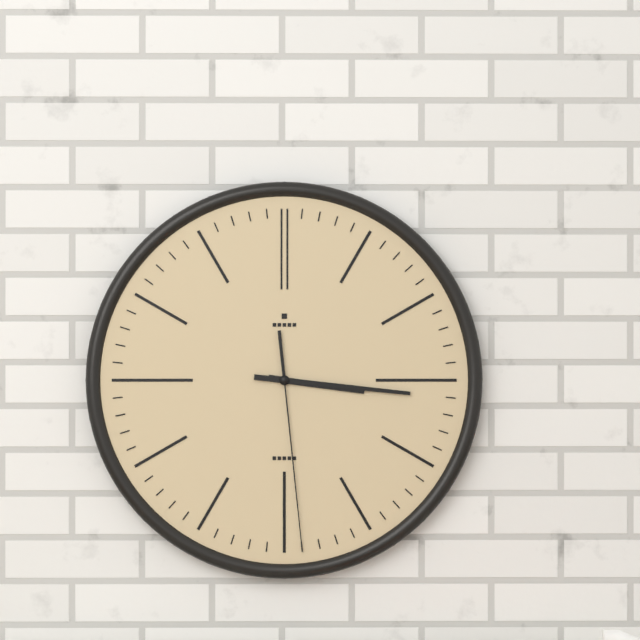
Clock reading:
3.16.29
